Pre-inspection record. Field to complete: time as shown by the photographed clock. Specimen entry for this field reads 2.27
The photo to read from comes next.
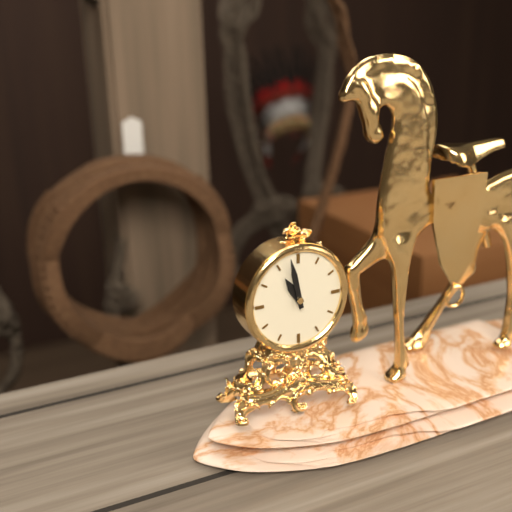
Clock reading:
10.58
